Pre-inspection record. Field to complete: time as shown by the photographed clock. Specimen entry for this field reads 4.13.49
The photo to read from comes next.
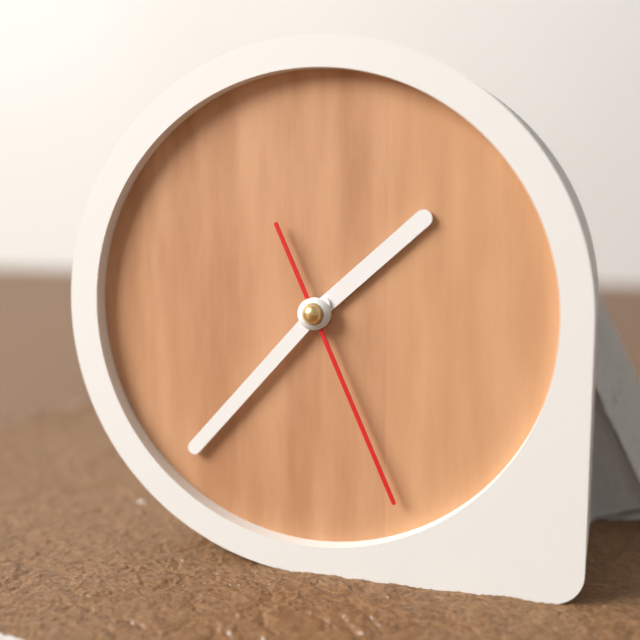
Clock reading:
1.37.26
